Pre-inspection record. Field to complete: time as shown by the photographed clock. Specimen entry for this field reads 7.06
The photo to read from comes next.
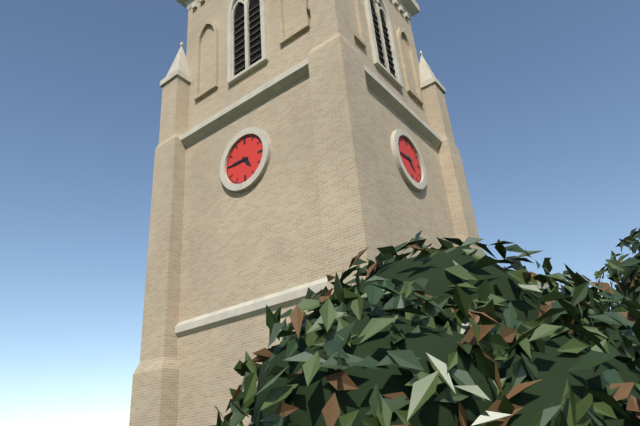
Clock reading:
4.45
